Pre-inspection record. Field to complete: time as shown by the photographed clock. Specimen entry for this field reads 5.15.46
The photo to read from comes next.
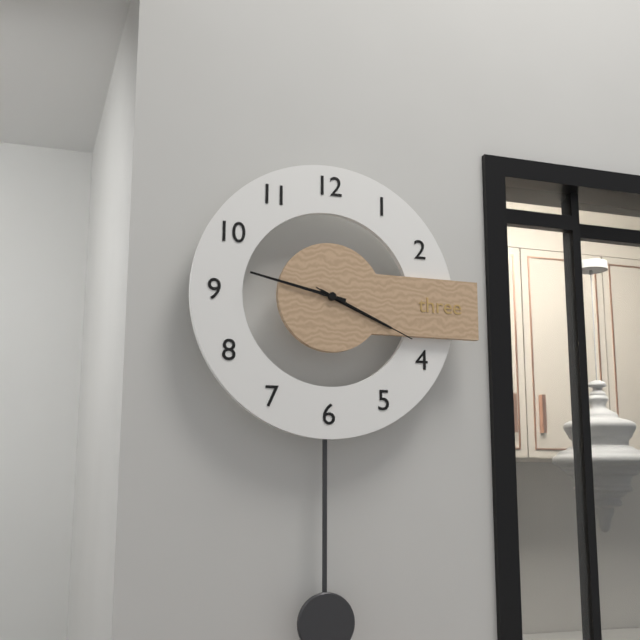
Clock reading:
3.47.19
